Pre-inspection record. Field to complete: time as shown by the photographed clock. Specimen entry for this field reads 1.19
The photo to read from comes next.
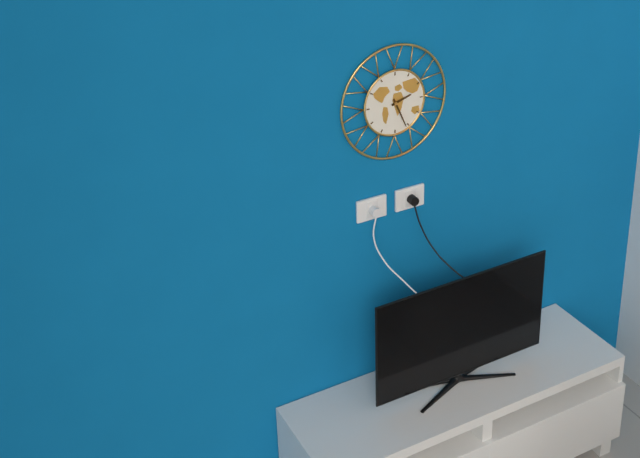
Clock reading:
2.26
